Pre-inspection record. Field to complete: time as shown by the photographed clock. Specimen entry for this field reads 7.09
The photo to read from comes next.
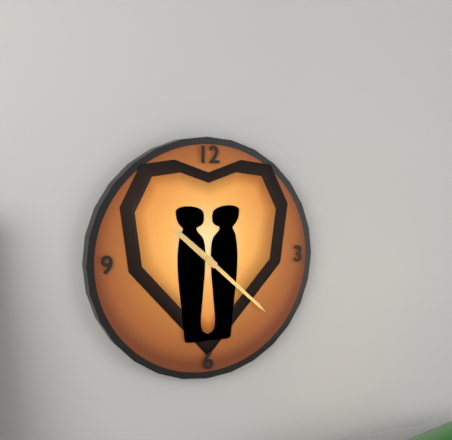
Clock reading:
10.22
